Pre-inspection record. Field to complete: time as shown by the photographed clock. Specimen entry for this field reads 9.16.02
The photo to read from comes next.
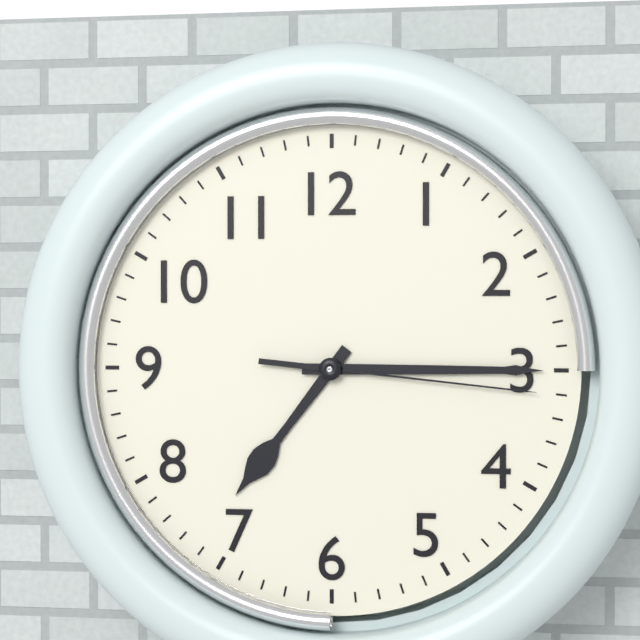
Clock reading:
7.15.16
